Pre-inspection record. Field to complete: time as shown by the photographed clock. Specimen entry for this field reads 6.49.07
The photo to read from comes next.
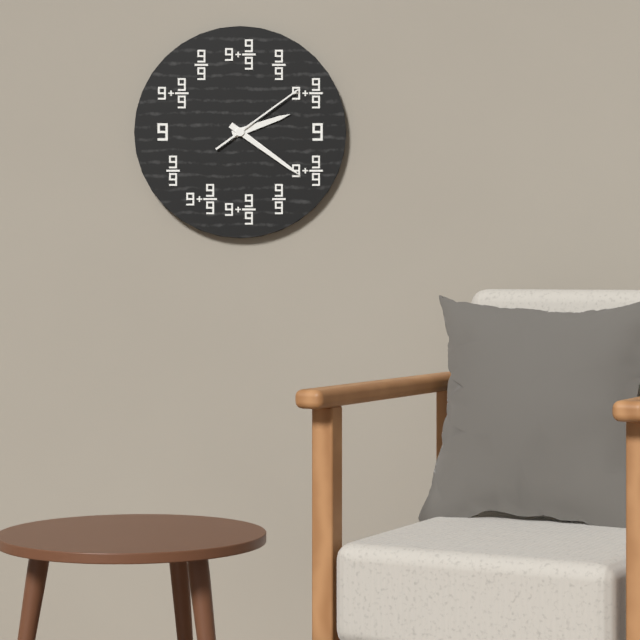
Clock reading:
2.21.09
